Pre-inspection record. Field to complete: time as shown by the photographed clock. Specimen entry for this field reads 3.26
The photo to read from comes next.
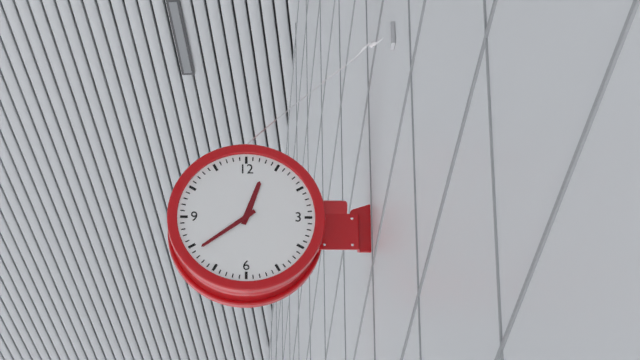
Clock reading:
12.39
